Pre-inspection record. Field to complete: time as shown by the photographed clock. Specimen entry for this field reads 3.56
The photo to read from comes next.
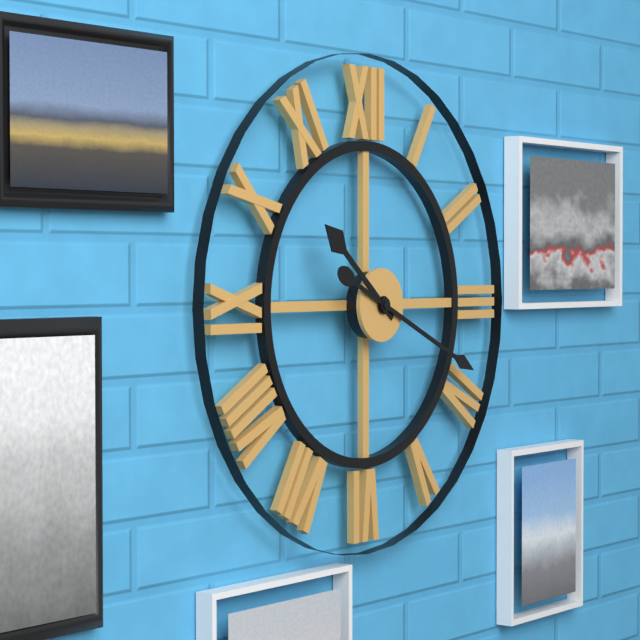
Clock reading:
10.19
